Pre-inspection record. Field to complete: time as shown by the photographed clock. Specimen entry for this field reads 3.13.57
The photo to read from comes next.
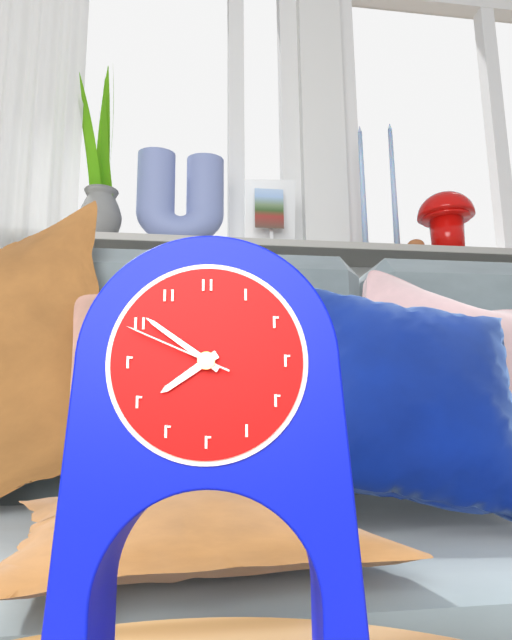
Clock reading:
7.51.49
